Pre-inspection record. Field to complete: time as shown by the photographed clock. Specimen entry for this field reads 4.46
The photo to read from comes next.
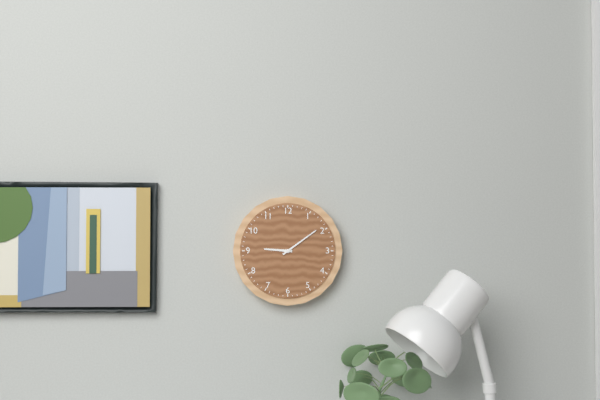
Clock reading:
9.09
